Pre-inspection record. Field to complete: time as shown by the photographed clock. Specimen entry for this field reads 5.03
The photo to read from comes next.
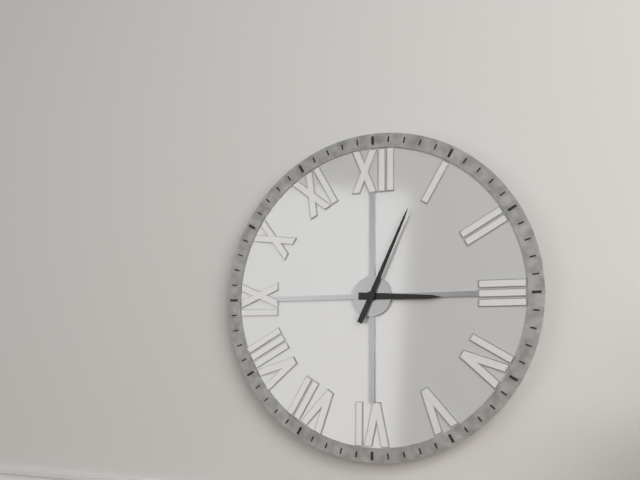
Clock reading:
3.04
